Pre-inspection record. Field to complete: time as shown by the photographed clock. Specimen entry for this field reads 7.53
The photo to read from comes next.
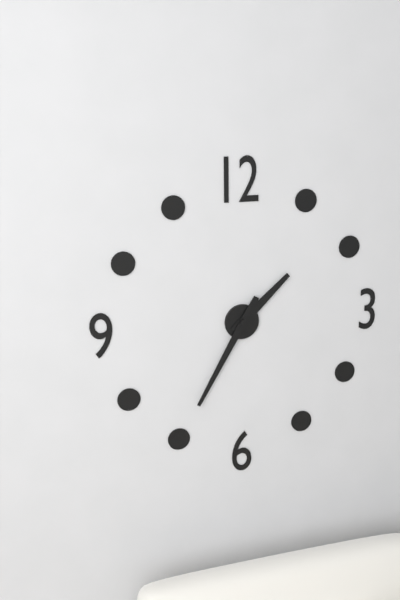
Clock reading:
1.35
